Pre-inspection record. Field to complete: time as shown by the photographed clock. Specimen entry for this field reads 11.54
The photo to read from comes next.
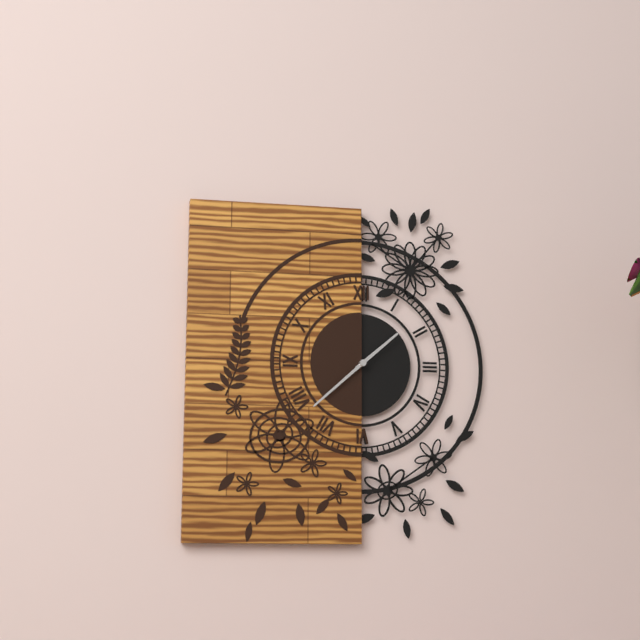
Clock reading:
1.38
